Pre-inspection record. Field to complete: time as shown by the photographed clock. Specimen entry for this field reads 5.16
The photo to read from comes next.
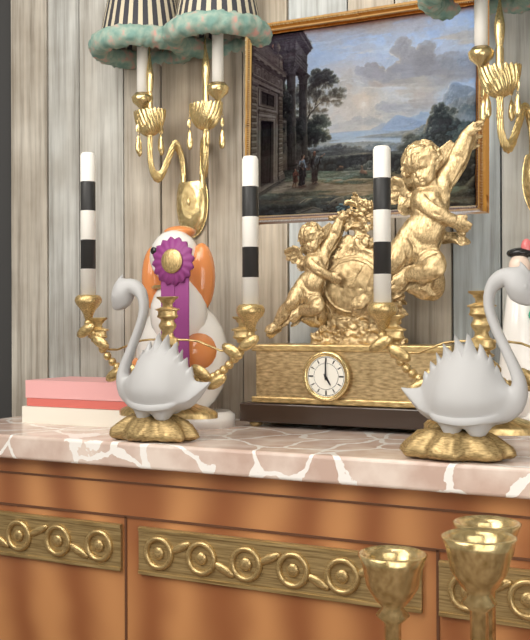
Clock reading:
5.00
